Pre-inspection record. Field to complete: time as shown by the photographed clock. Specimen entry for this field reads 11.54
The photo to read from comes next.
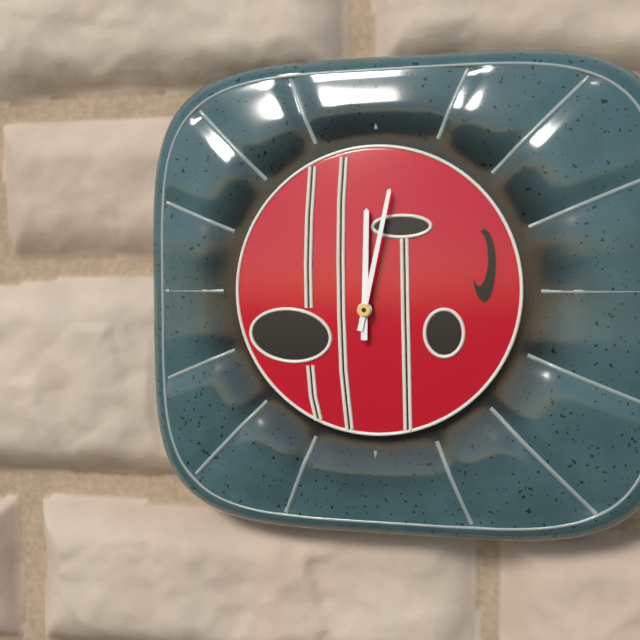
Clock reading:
12.02
